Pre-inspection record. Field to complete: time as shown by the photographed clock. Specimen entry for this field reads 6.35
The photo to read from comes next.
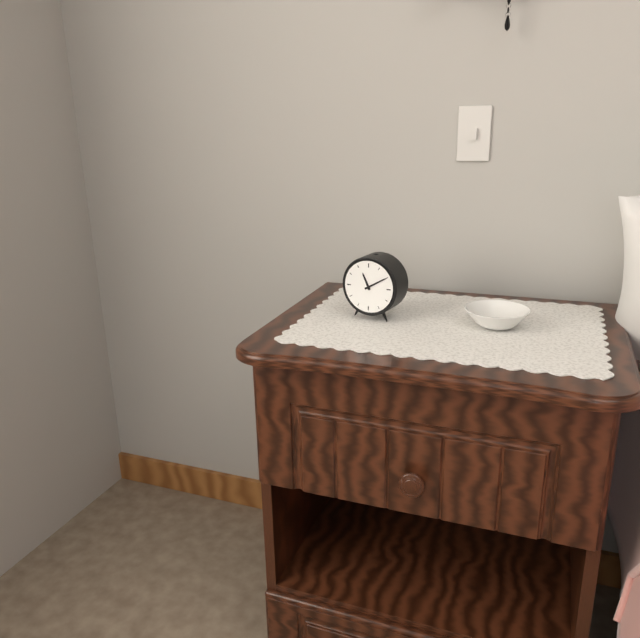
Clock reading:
11.10
